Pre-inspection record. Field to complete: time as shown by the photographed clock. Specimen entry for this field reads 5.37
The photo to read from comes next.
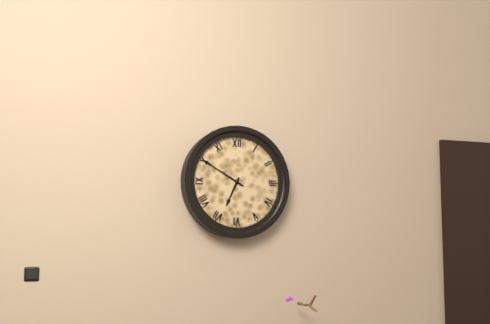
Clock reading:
6.50
